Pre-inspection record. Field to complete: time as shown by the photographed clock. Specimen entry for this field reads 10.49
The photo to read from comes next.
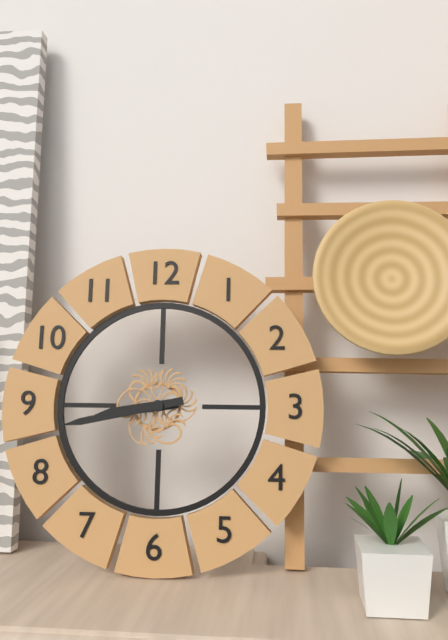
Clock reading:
8.43
